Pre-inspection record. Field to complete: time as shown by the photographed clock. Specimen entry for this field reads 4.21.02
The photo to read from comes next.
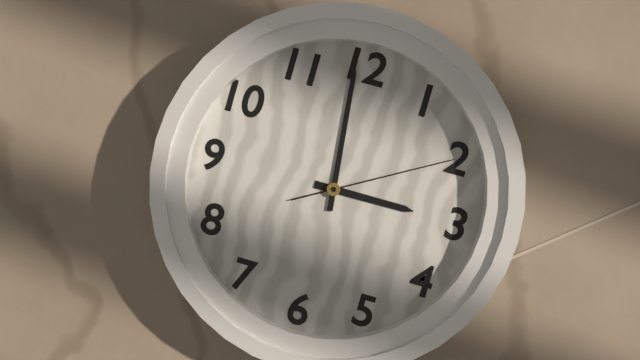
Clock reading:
2.59.10
